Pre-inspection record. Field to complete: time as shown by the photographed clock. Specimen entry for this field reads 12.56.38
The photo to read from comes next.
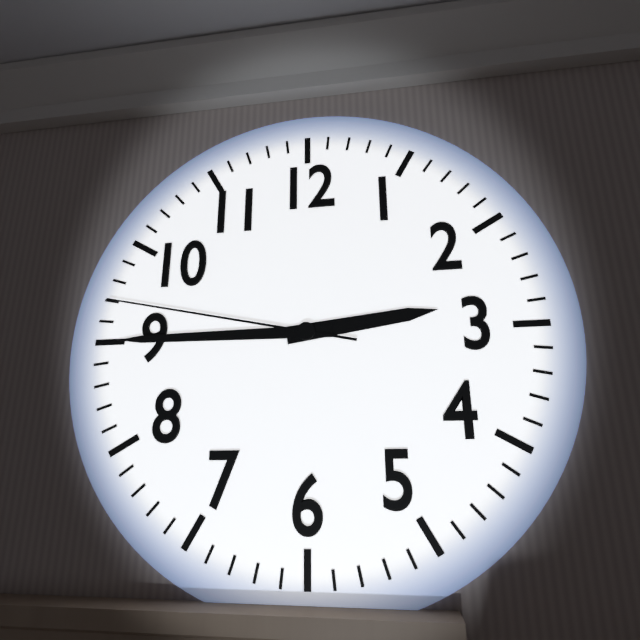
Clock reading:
2.45.47
